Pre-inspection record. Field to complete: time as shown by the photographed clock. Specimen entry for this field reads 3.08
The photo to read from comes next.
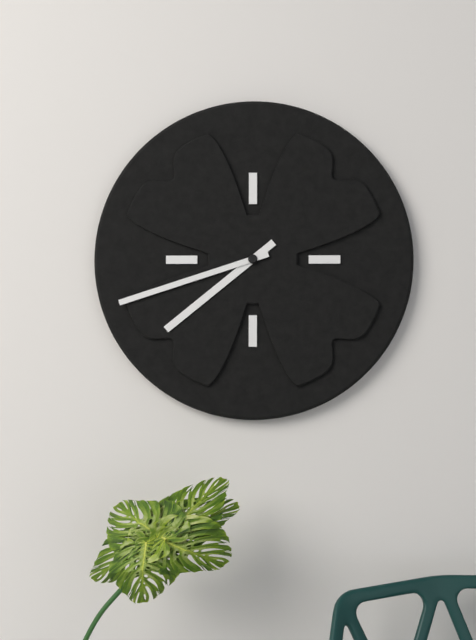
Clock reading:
7.42
